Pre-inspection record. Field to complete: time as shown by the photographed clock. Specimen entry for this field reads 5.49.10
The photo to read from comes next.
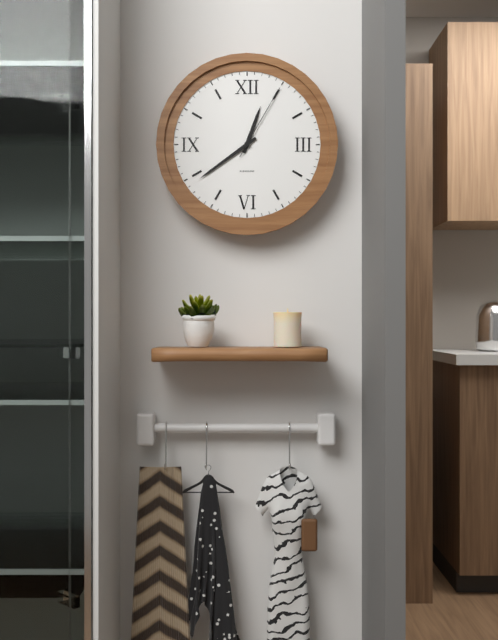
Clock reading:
12.39.05
